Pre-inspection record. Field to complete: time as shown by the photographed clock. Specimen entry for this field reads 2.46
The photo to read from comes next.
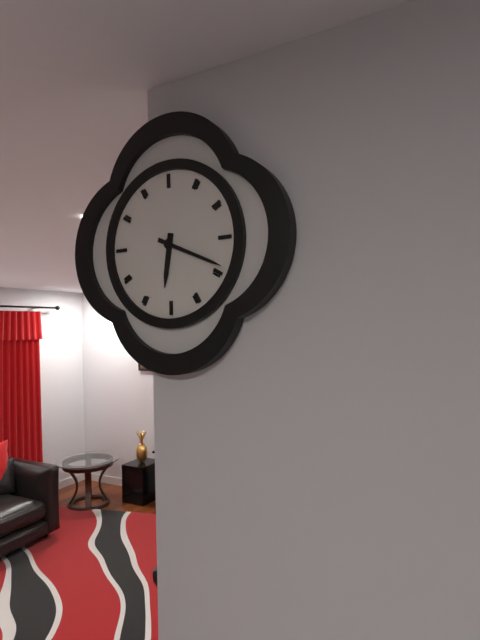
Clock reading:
6.19
